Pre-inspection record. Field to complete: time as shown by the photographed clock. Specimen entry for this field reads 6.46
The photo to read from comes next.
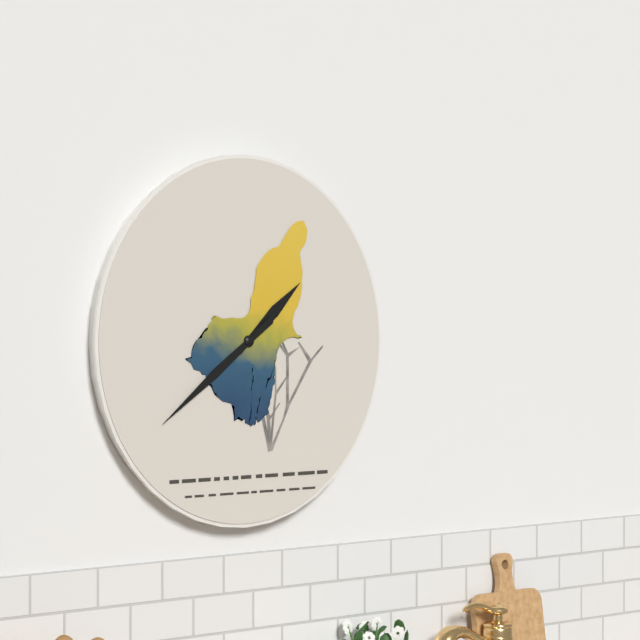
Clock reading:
1.39
